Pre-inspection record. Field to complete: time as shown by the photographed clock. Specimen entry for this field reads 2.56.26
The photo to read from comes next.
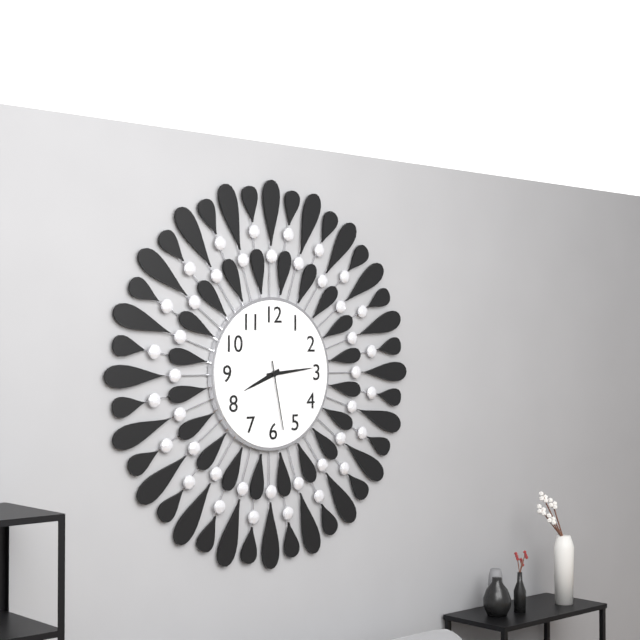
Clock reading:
8.14.28
